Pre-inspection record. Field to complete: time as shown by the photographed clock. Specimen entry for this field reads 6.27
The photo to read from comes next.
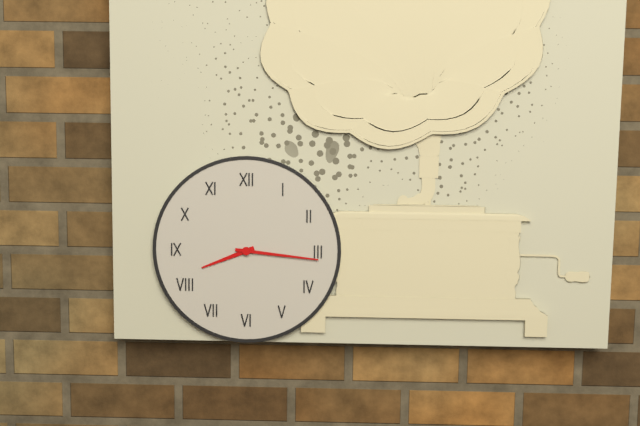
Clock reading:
8.16
